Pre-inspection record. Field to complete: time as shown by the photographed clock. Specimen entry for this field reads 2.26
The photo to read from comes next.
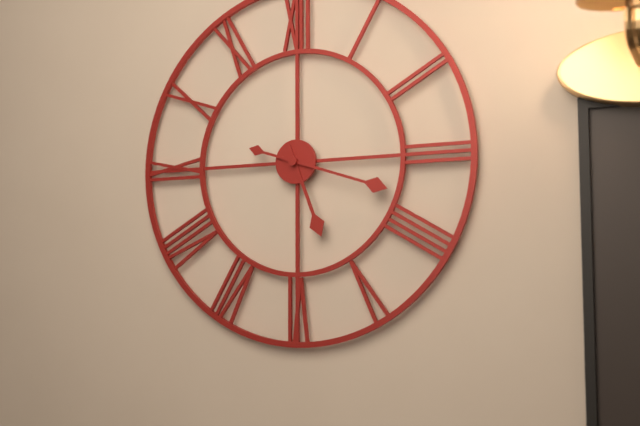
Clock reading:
5.18
